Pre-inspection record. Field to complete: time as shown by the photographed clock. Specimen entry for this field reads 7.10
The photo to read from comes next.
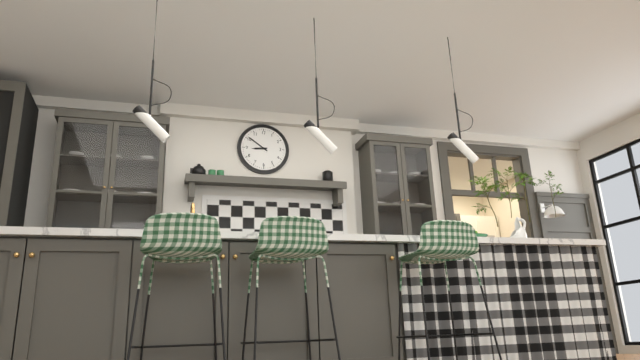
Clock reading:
8.51
